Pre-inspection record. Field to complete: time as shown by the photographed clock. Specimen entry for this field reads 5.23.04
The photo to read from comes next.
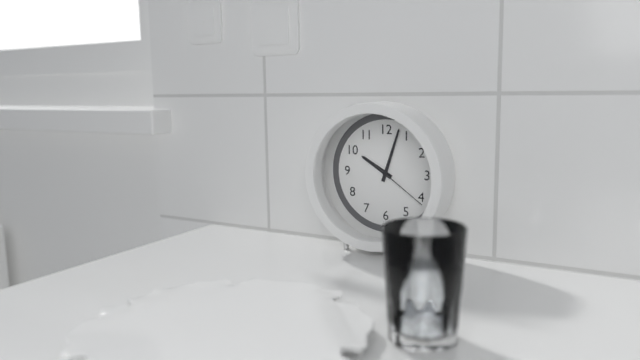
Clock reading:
10.03.21
